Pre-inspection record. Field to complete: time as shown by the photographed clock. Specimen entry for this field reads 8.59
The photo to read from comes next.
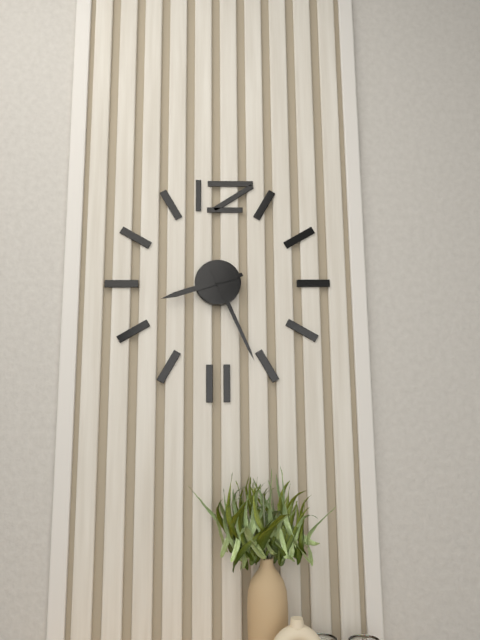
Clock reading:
8.26
